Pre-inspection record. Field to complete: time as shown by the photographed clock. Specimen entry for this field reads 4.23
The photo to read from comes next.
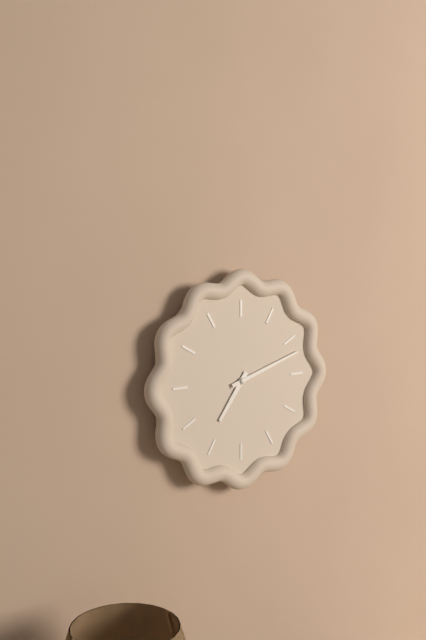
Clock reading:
7.12
